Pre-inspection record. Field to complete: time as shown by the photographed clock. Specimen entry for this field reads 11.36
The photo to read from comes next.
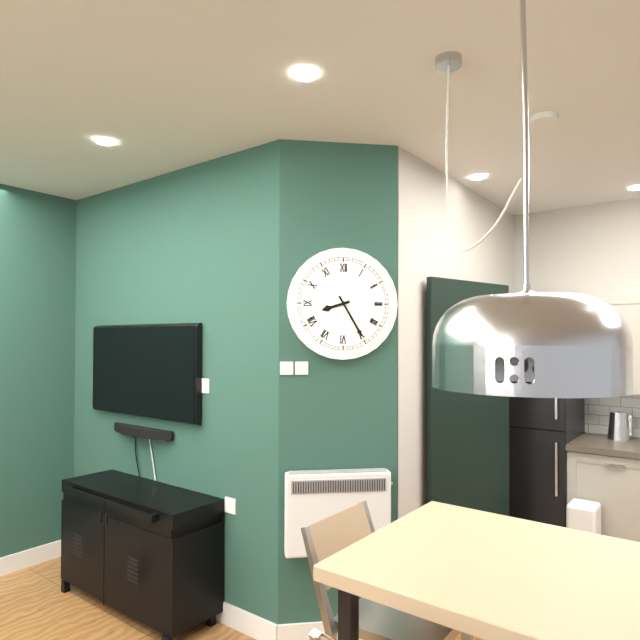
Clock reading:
8.25
